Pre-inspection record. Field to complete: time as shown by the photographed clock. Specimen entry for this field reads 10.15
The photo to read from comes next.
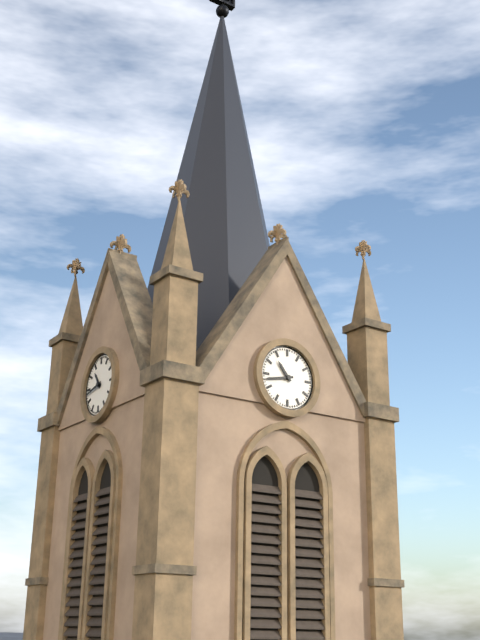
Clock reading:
10.43
